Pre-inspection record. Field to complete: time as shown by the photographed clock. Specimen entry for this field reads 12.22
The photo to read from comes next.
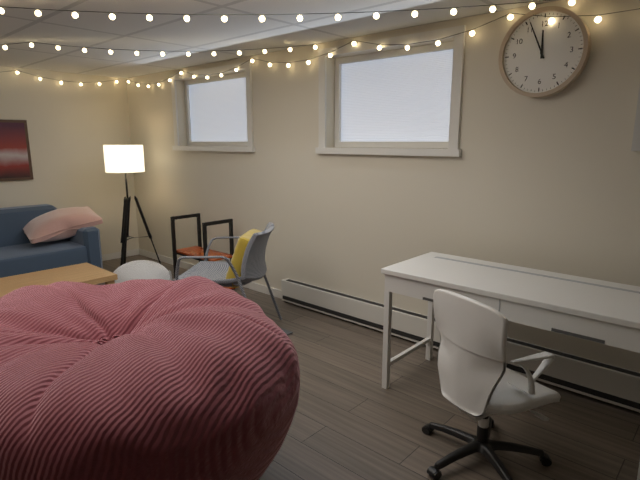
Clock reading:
11.56
